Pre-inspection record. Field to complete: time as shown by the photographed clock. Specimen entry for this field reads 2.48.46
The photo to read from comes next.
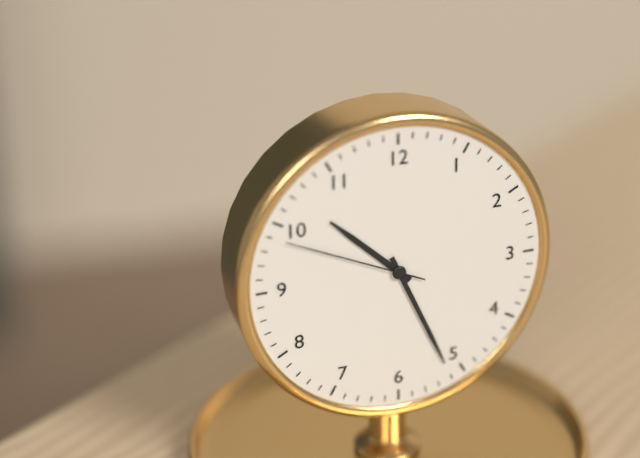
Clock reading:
10.26.49
